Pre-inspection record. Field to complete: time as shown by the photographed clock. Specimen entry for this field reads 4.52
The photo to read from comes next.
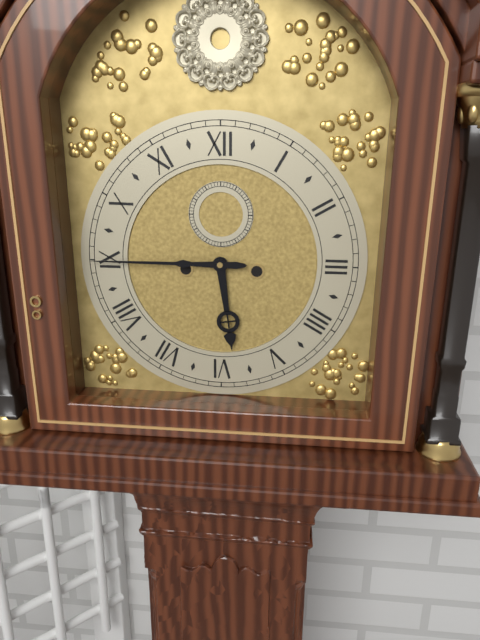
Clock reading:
5.45
